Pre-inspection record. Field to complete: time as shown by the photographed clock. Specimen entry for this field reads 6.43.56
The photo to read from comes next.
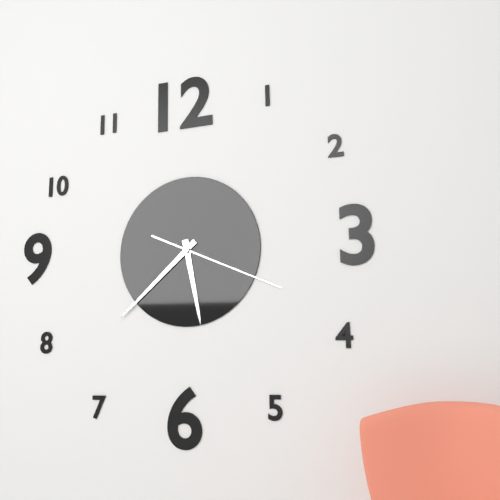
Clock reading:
5.38.19
